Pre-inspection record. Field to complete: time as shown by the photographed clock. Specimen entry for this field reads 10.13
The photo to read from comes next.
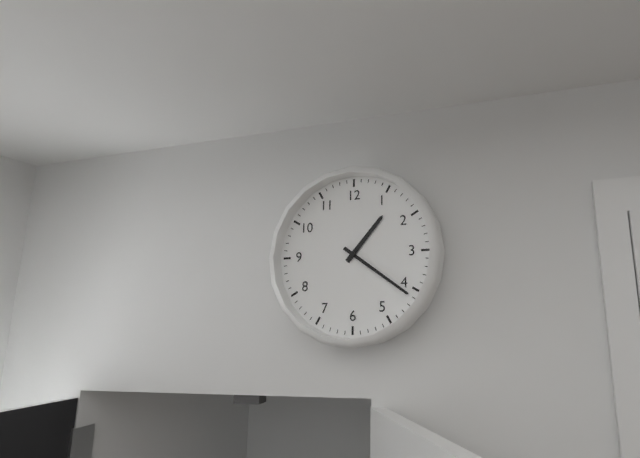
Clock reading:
1.21
